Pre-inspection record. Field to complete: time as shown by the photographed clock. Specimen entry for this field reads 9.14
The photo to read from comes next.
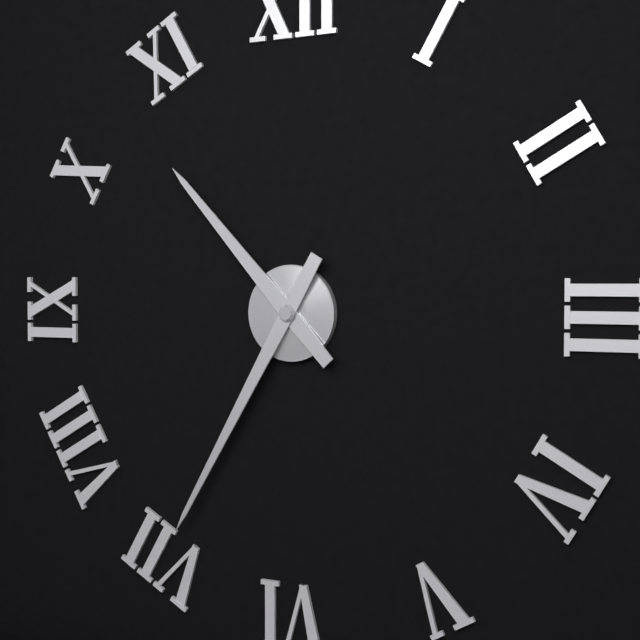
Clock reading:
10.35
